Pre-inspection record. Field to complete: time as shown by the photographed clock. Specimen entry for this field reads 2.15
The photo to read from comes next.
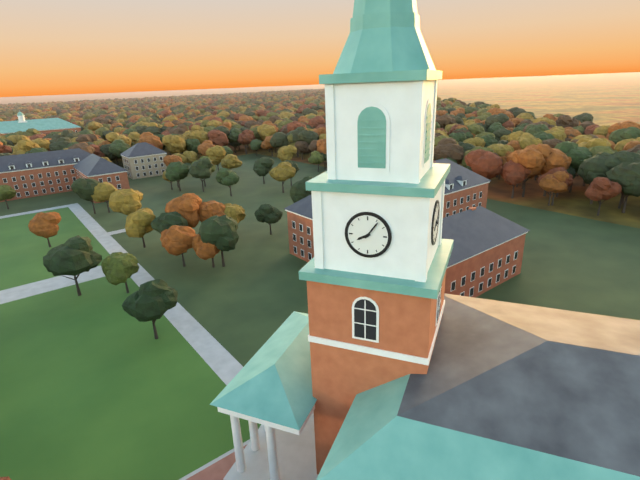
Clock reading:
8.06
